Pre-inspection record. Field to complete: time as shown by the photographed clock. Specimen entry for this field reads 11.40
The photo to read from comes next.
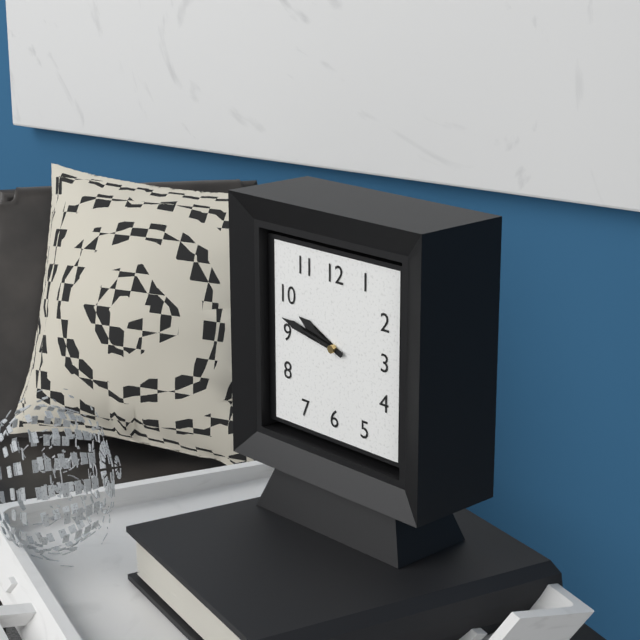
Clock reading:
9.47
